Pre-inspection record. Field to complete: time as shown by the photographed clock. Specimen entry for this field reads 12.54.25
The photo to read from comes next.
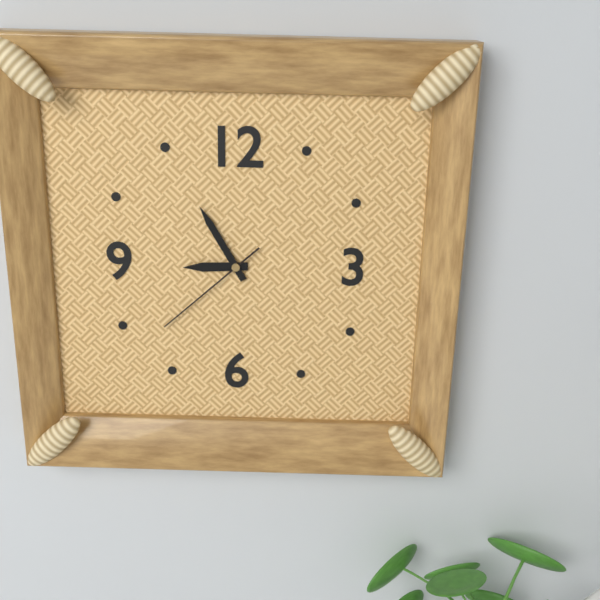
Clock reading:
8.55.38
